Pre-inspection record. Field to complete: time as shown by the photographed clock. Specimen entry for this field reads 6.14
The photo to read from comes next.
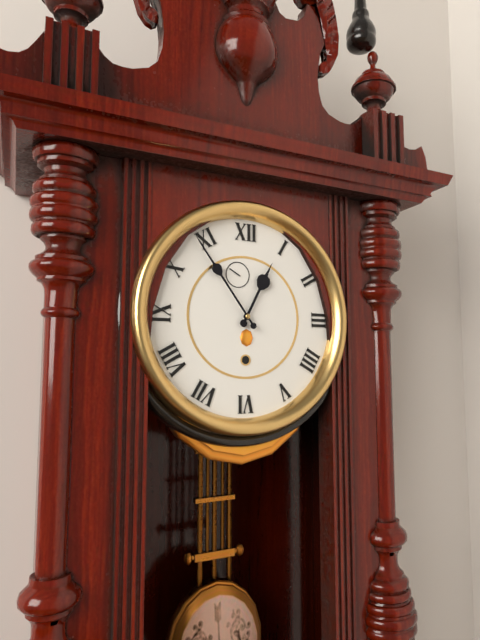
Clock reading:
12.54
